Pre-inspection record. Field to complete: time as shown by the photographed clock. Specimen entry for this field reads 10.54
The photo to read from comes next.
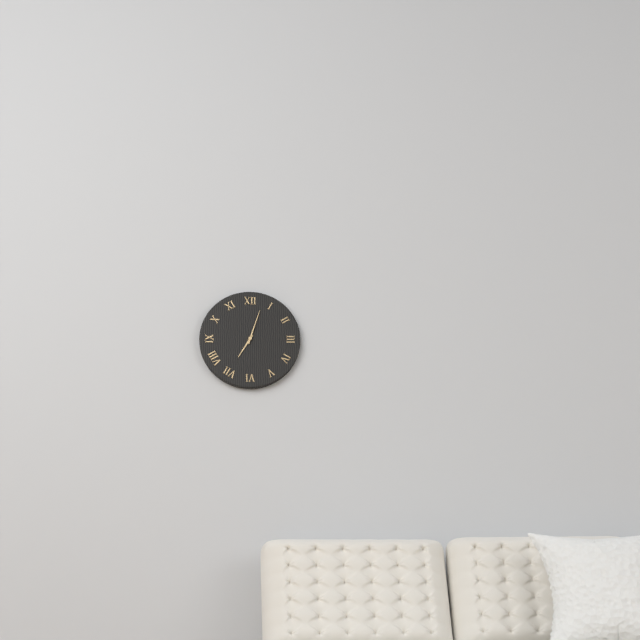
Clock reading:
7.03
